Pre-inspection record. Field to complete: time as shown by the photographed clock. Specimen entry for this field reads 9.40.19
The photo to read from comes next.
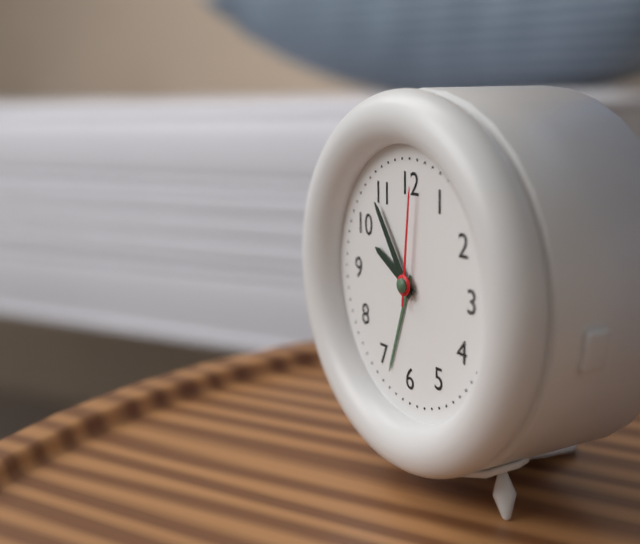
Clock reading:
9.54.01
